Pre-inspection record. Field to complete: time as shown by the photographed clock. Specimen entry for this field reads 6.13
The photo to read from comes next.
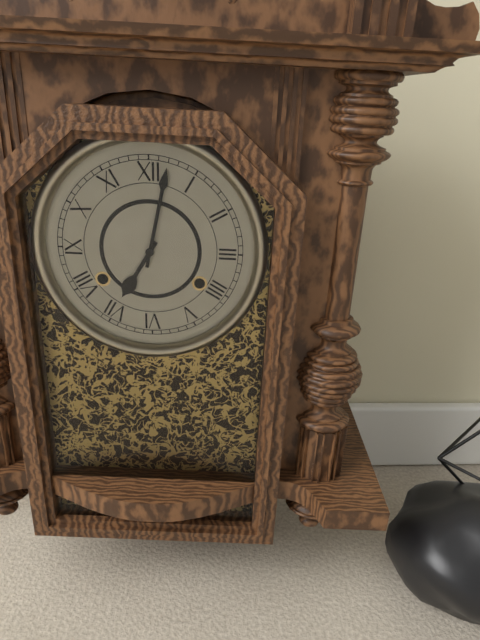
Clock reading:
7.02
